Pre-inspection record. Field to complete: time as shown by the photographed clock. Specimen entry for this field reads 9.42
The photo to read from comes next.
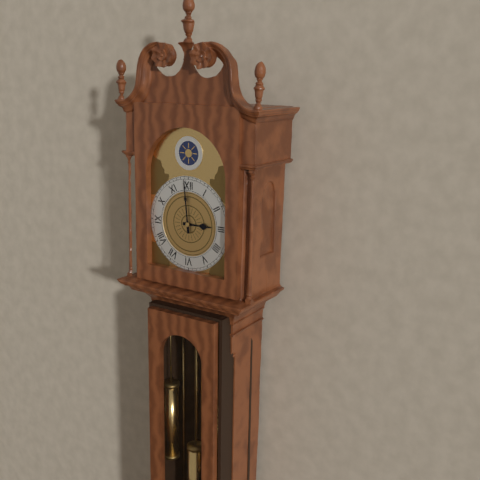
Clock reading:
2.59
